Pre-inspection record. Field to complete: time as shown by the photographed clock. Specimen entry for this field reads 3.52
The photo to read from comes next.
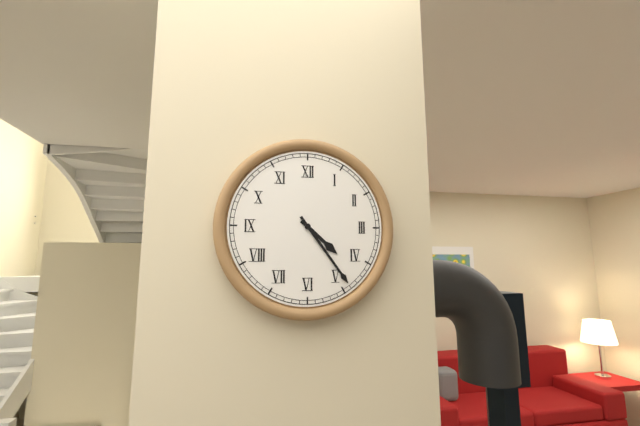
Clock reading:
4.24
